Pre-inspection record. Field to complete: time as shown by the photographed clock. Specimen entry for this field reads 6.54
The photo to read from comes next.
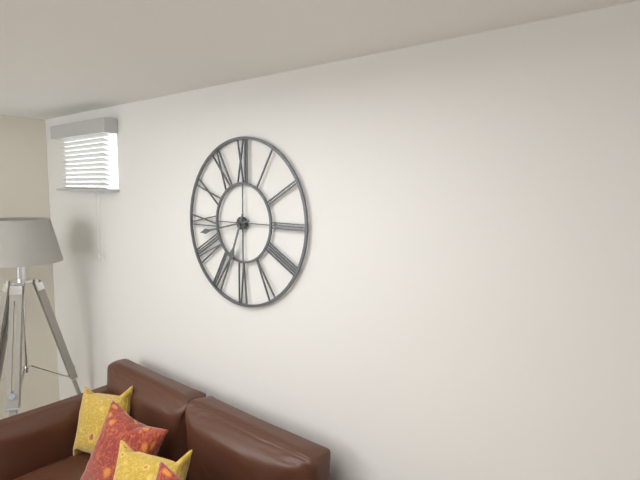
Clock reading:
6.43
